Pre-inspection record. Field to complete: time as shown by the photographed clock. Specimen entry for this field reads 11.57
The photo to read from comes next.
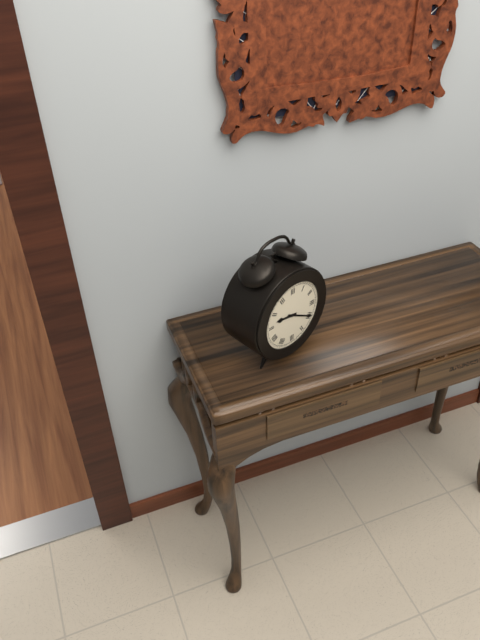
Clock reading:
9.20
